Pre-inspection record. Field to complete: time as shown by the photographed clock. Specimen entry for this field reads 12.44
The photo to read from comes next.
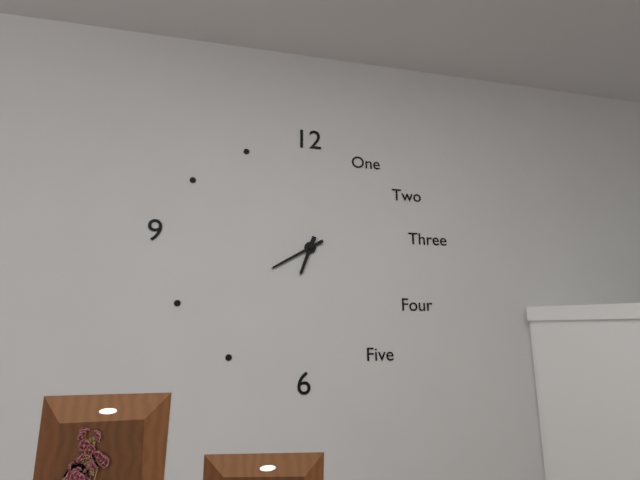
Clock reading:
6.40
